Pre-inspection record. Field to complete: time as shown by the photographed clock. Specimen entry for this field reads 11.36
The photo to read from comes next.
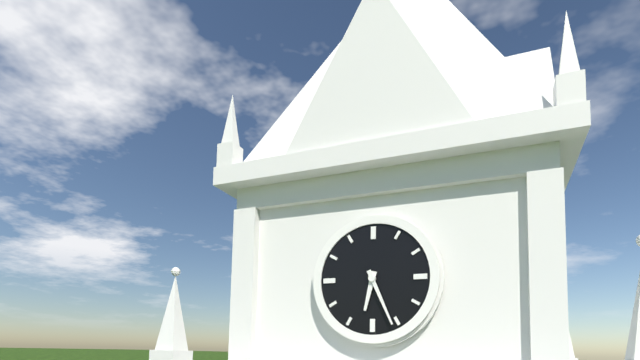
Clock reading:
6.26
